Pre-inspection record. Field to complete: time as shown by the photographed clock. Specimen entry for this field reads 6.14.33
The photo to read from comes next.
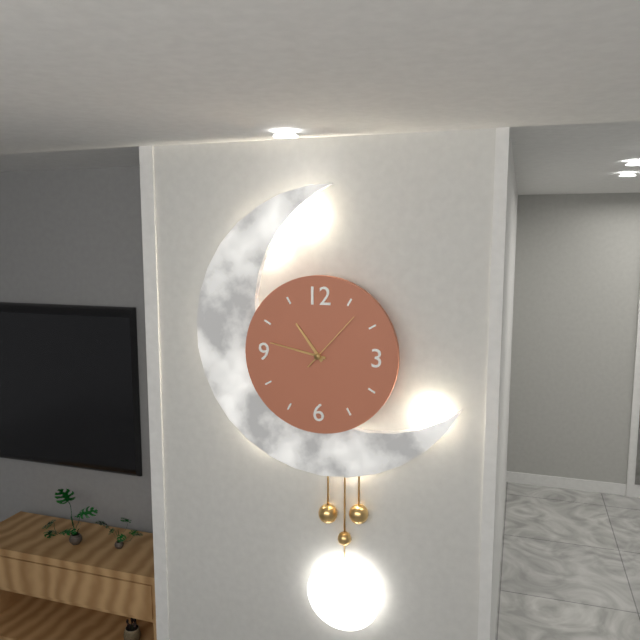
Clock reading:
10.47.07
